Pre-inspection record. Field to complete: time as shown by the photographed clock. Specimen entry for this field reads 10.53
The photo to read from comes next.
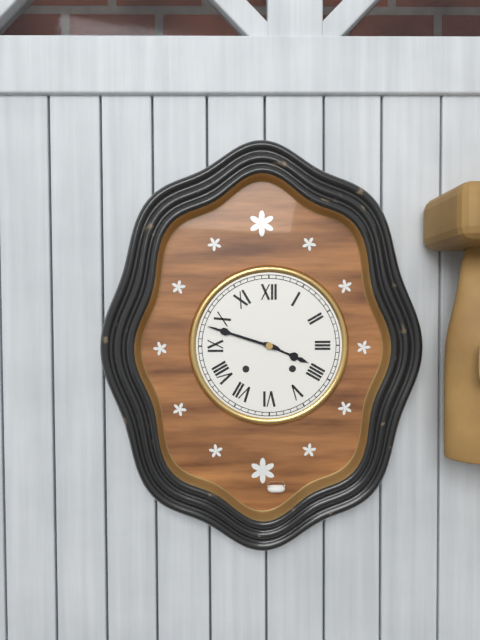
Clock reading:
3.48
